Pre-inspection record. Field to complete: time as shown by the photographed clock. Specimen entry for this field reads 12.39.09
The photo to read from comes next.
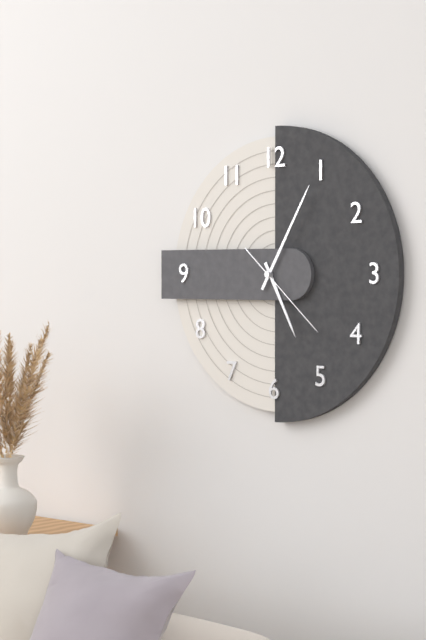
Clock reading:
5.05.22
